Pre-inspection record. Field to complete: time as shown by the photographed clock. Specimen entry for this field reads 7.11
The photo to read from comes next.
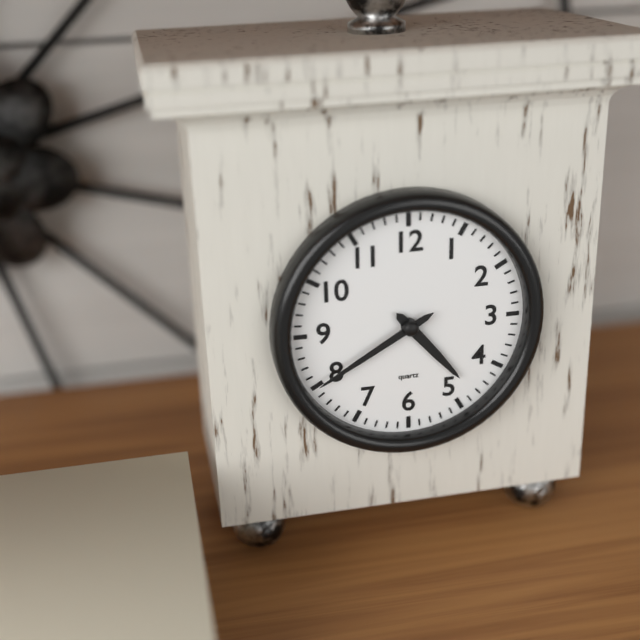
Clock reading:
4.40
